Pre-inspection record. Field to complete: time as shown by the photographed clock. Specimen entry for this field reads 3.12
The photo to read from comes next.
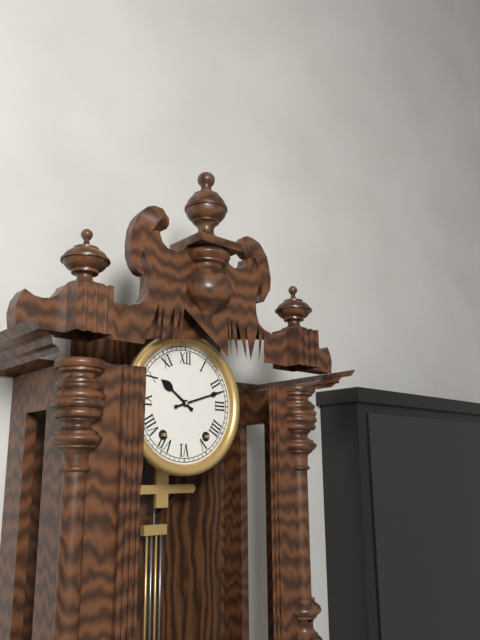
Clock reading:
10.12
